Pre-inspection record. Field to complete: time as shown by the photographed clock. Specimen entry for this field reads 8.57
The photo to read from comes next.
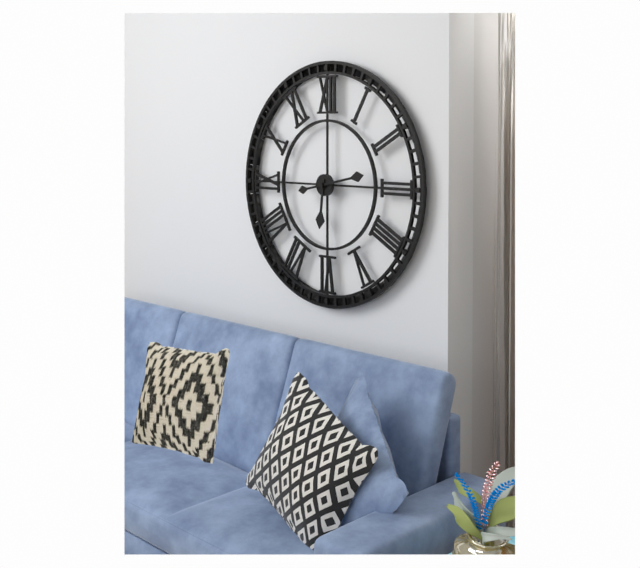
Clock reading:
6.13
